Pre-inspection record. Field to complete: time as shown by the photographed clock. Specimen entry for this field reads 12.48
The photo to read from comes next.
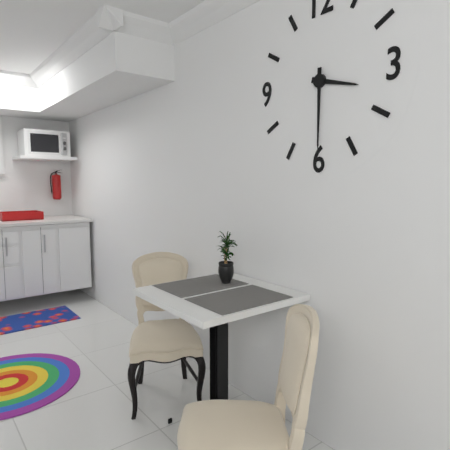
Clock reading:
3.30
